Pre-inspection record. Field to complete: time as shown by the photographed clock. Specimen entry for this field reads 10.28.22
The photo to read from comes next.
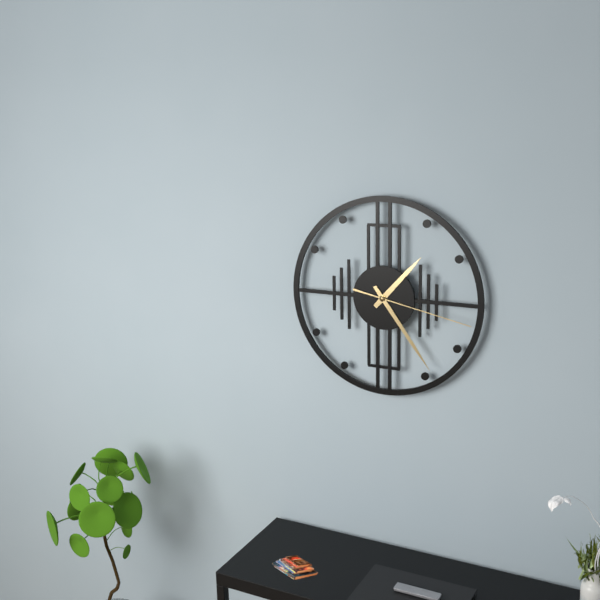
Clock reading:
1.24.17
